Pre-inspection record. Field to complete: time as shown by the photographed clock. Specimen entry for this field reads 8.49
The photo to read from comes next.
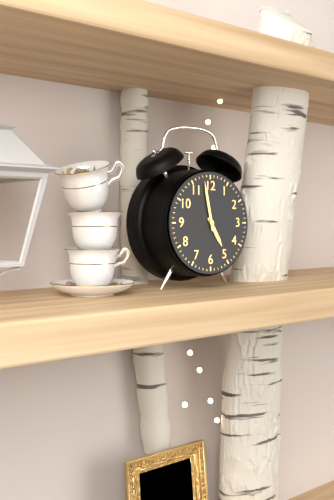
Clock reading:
4.58
